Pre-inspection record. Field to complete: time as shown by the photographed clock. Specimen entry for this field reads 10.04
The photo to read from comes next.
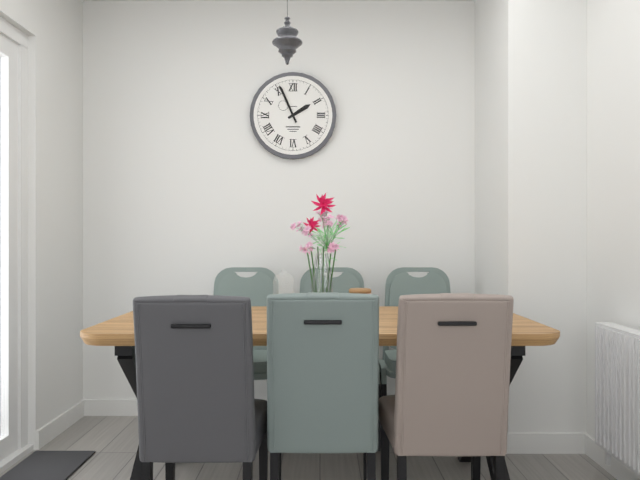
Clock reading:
1.56
